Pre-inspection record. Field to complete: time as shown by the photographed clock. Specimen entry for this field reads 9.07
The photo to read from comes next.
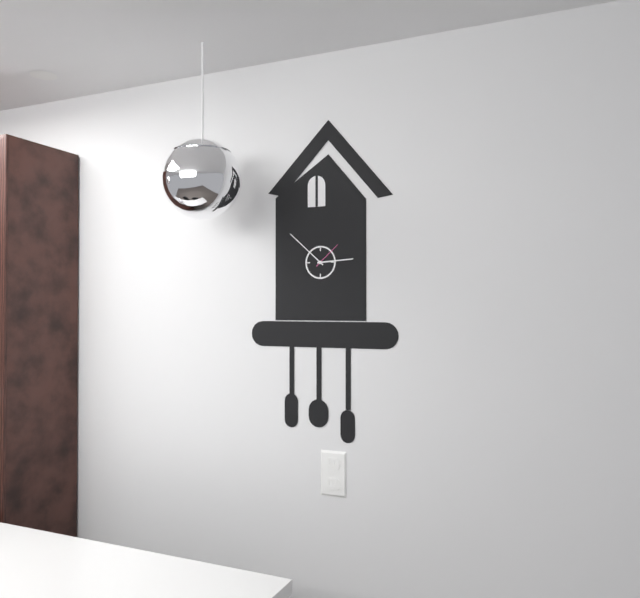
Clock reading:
2.52
